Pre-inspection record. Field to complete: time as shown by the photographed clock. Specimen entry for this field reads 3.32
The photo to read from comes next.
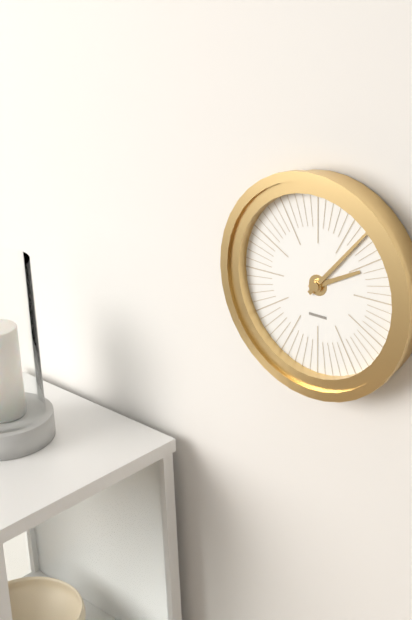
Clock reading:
2.07
